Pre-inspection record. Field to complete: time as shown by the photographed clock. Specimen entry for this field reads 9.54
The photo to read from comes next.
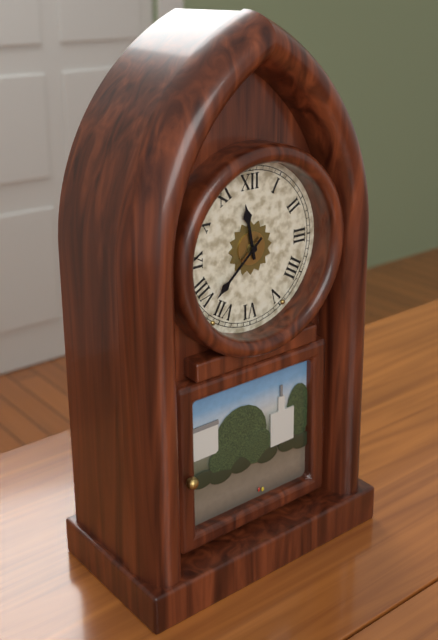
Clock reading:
11.38
